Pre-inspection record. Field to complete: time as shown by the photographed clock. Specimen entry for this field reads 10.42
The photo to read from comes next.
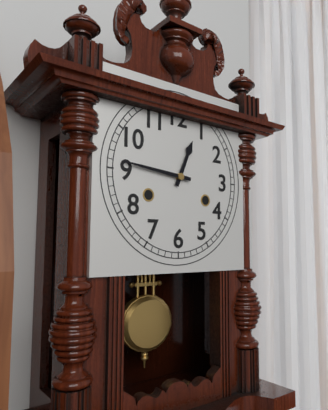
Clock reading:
12.46
